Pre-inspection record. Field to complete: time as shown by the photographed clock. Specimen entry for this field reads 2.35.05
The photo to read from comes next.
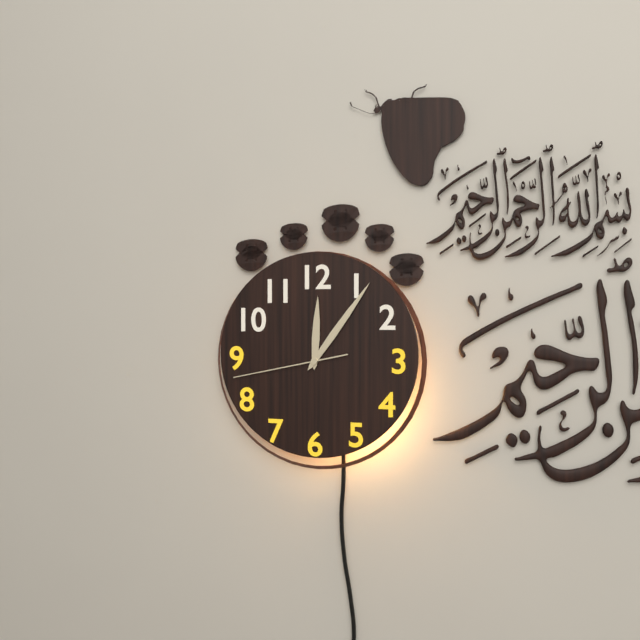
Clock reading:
12.06.43
